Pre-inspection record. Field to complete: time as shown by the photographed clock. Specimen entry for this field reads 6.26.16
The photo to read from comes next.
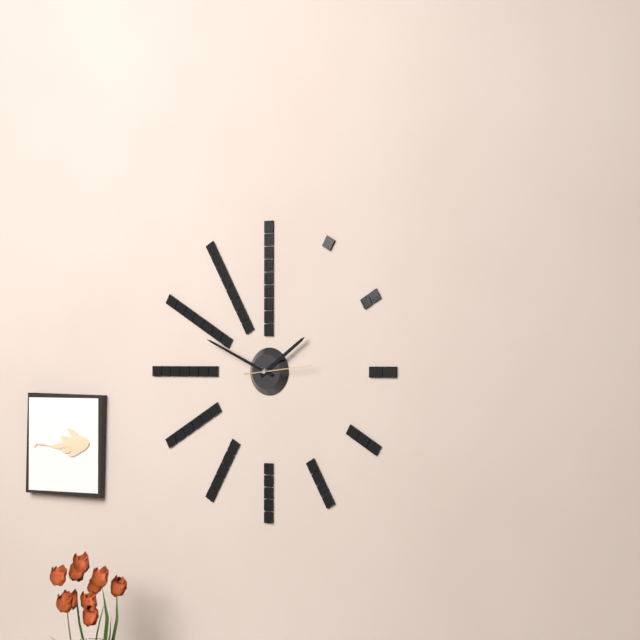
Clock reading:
1.49.14
